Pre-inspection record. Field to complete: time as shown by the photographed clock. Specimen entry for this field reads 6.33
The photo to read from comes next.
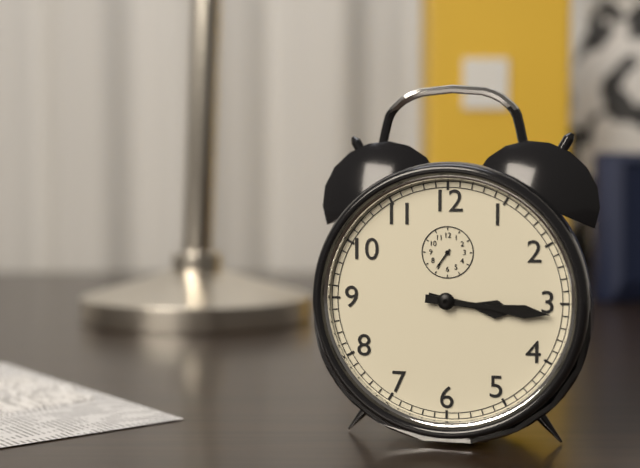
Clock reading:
3.16
